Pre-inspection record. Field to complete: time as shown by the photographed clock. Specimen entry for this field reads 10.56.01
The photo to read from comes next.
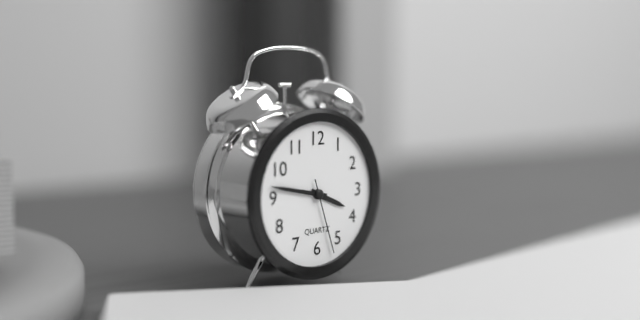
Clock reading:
3.47.27
